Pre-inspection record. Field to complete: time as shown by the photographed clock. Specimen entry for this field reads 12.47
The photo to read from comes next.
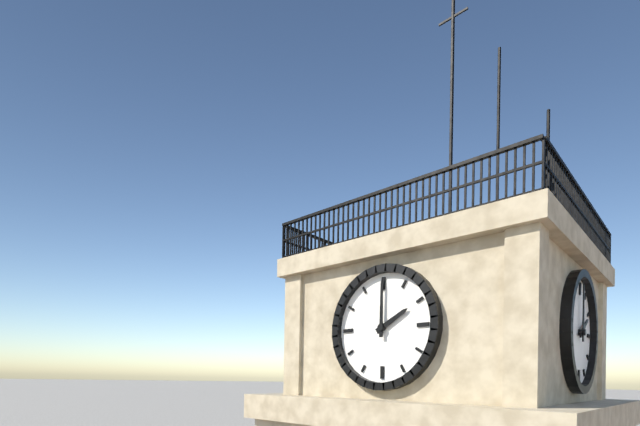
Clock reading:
2.00
